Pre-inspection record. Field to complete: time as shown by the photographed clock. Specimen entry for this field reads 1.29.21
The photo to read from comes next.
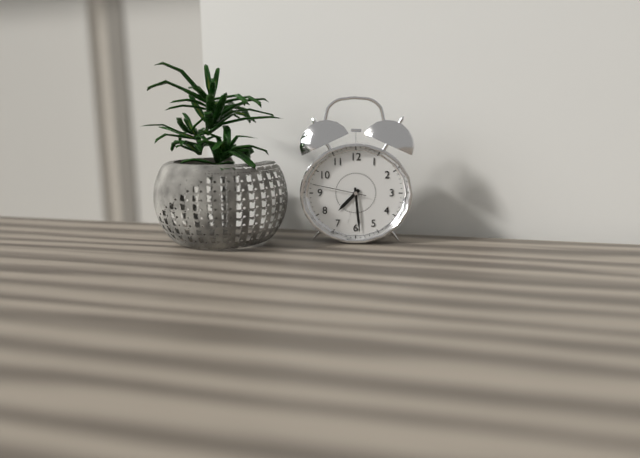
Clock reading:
7.29.47
